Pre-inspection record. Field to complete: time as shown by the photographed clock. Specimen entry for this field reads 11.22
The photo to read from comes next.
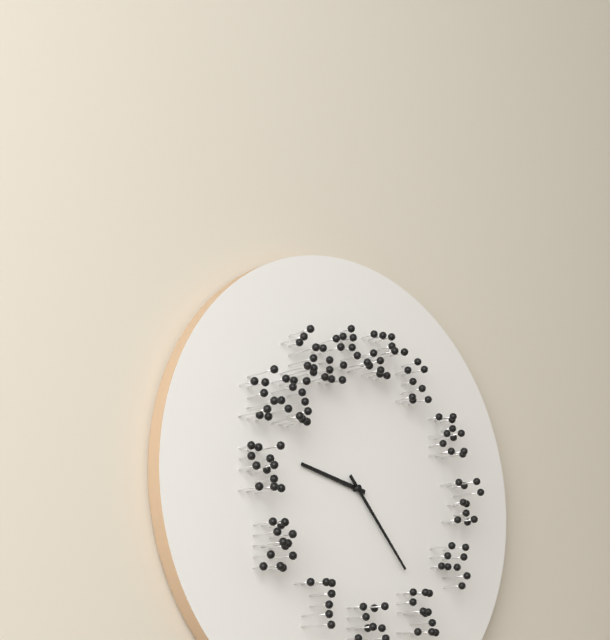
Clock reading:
9.23
